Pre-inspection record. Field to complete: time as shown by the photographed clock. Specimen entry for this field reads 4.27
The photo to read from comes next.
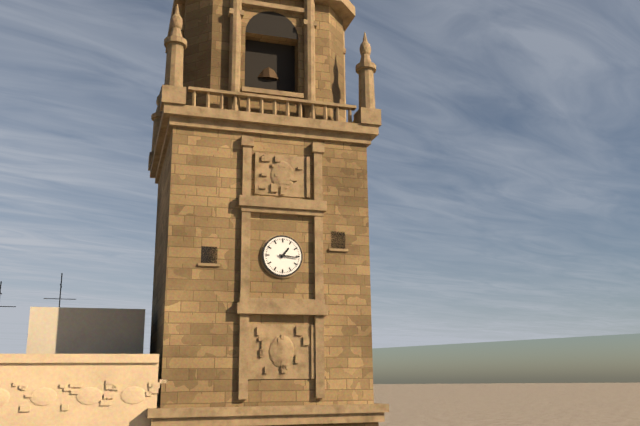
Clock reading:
1.16
